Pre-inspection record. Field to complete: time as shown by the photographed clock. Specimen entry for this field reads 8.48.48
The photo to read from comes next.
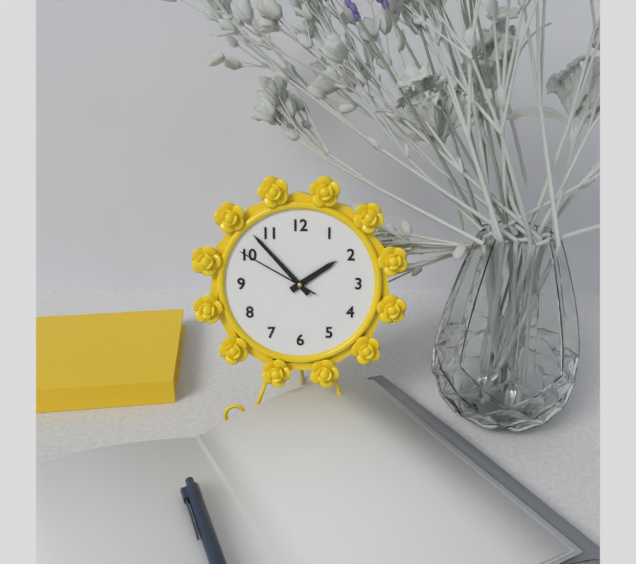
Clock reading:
1.53.50
